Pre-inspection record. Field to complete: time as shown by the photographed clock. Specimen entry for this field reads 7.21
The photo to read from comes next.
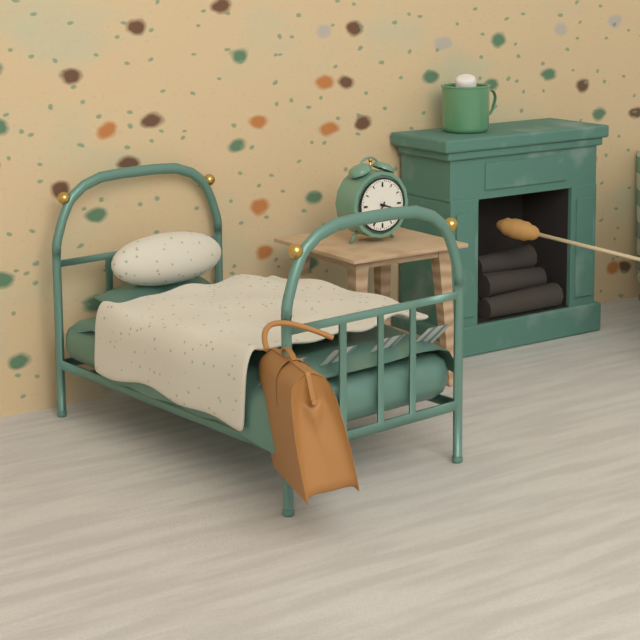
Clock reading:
3.35
